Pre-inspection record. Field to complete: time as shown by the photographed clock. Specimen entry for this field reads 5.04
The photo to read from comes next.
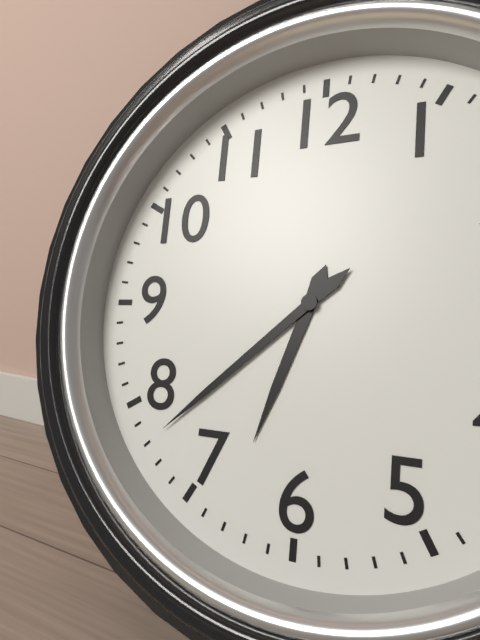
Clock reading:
6.38
